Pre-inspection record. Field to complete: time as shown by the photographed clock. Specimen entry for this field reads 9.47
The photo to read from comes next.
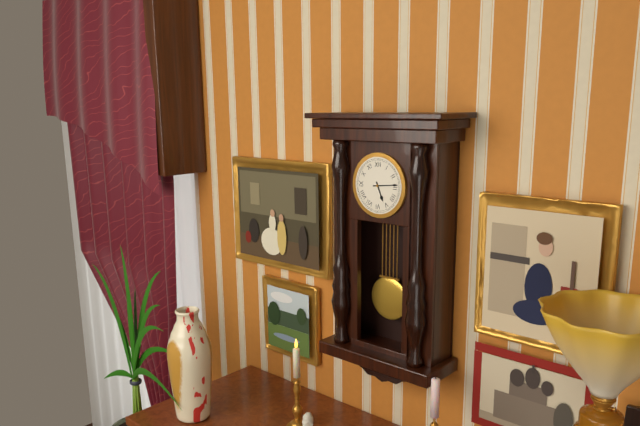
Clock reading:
5.14
